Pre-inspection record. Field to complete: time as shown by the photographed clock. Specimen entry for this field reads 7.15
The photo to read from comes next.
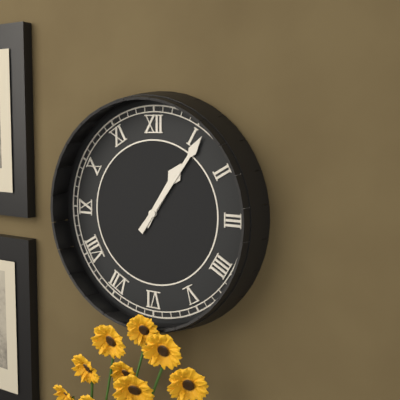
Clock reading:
1.06
